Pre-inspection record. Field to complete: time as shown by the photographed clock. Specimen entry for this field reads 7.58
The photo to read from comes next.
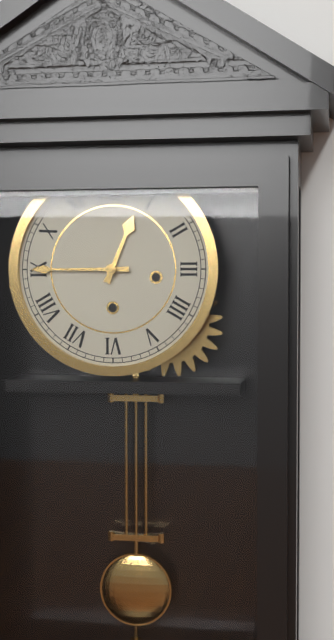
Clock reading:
12.45
